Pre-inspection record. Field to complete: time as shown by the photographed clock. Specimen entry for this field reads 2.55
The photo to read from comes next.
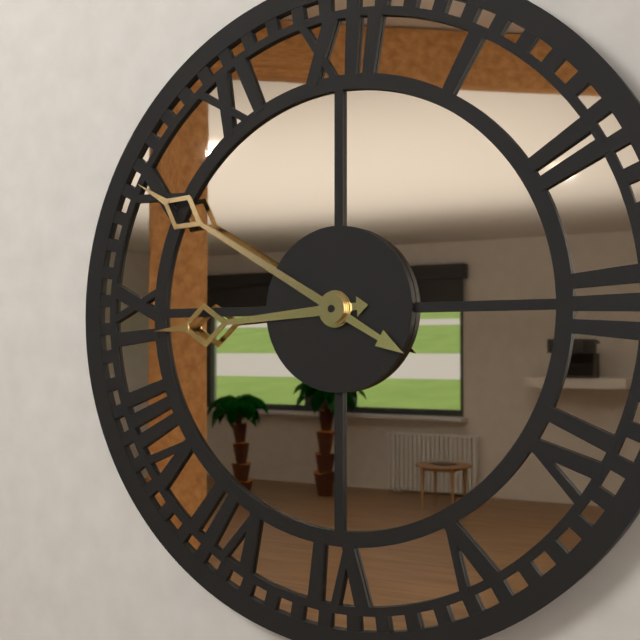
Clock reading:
8.50
